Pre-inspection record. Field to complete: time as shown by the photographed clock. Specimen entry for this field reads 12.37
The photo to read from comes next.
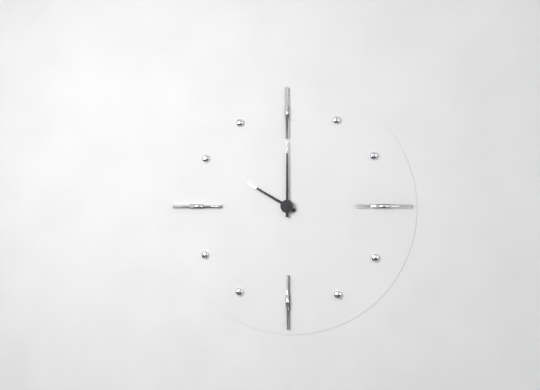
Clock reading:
10.00
